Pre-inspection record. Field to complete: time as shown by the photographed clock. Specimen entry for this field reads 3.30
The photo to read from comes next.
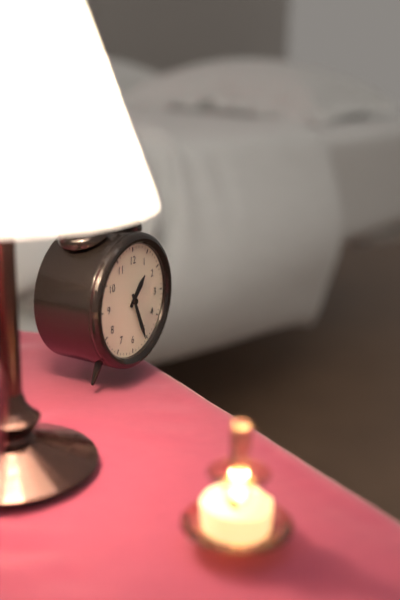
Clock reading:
1.26
